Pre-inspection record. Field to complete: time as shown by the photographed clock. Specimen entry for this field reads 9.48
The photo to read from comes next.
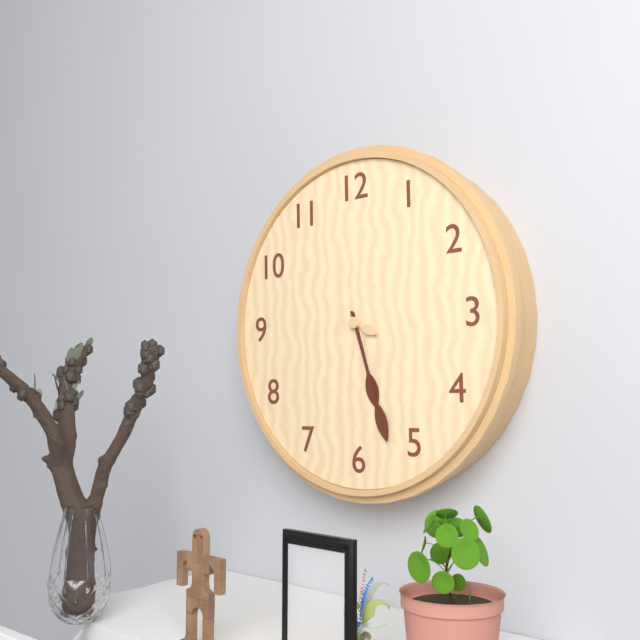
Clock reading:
5.27
